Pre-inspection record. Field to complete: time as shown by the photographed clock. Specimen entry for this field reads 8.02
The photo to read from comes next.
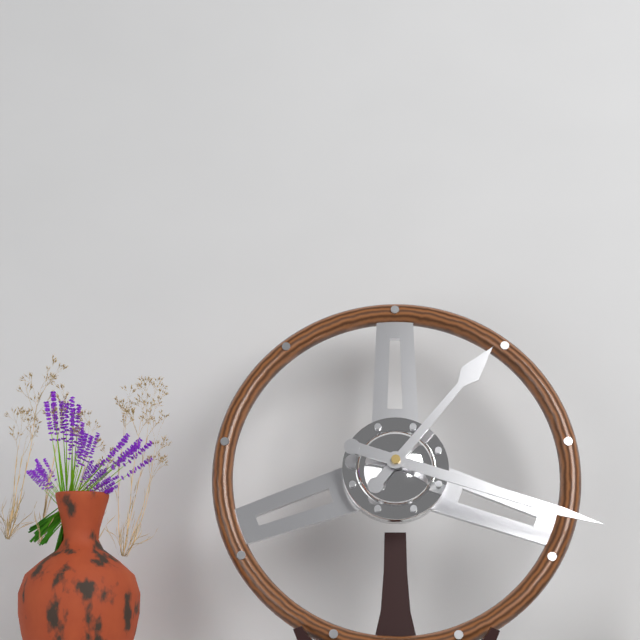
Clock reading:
1.18
